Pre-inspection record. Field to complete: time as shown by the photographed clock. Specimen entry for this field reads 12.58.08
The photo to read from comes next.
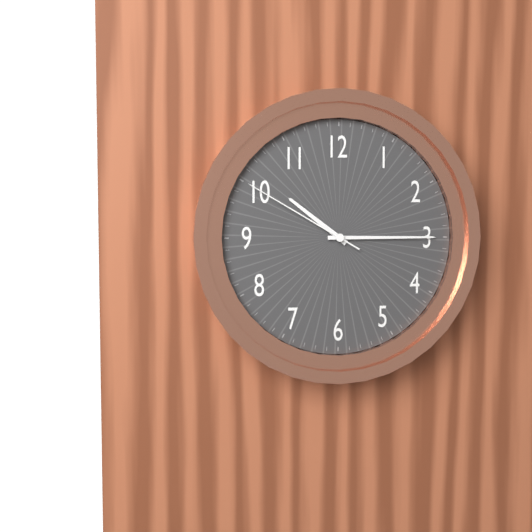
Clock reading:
10.15.50
